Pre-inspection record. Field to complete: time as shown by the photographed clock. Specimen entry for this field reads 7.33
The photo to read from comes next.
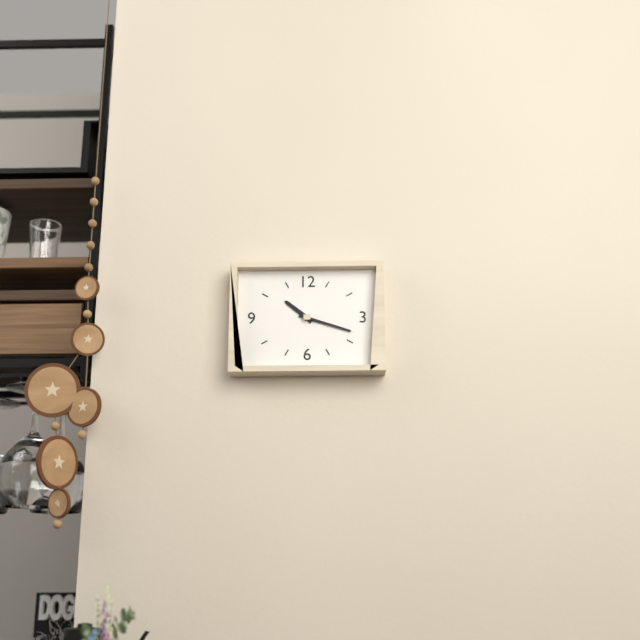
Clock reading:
10.18
